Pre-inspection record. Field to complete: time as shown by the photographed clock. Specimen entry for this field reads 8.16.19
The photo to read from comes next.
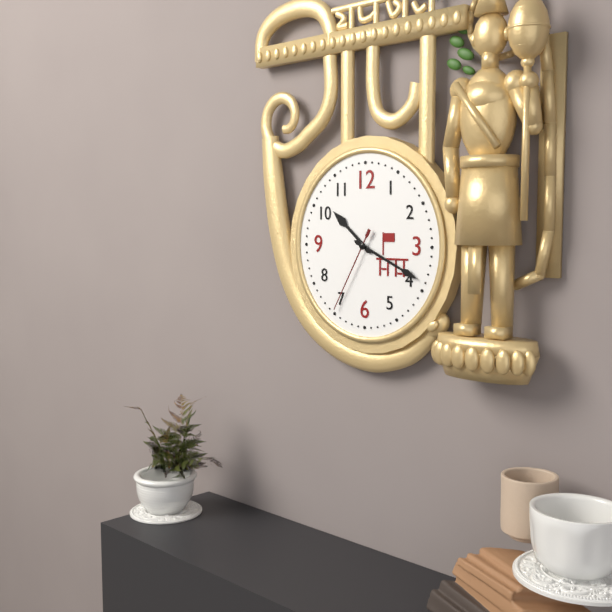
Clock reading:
10.19.35
